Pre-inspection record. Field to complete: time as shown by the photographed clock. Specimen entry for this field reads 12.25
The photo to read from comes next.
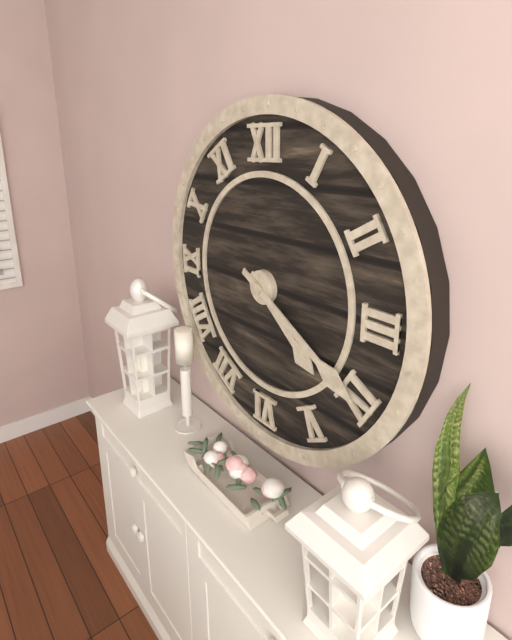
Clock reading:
4.20
